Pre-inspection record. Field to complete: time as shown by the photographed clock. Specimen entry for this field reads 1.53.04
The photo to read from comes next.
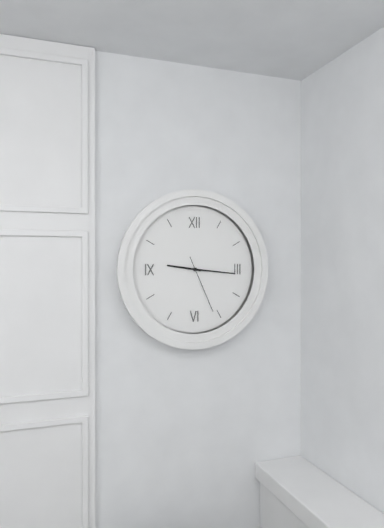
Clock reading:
9.16.26
